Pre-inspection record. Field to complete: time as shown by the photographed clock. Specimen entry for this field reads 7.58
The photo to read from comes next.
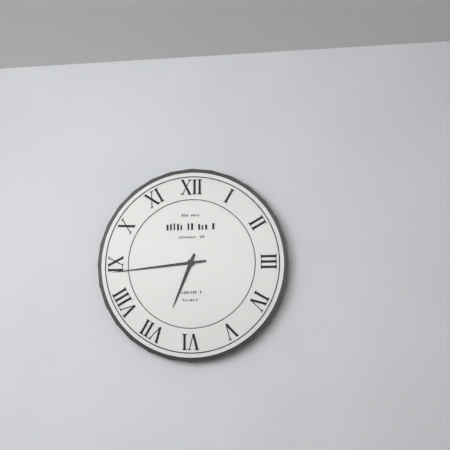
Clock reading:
6.44
